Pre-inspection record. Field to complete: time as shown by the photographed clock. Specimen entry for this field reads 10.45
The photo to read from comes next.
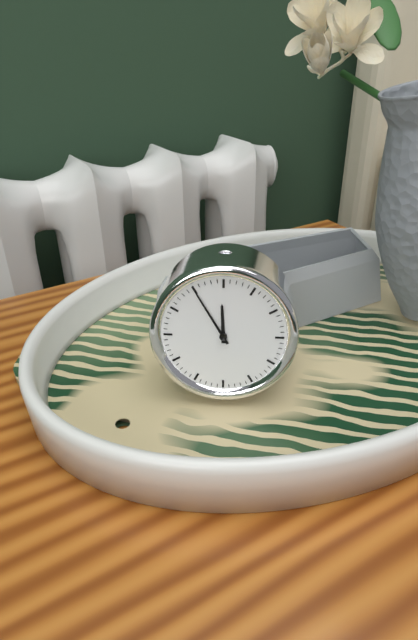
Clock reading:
11.55
